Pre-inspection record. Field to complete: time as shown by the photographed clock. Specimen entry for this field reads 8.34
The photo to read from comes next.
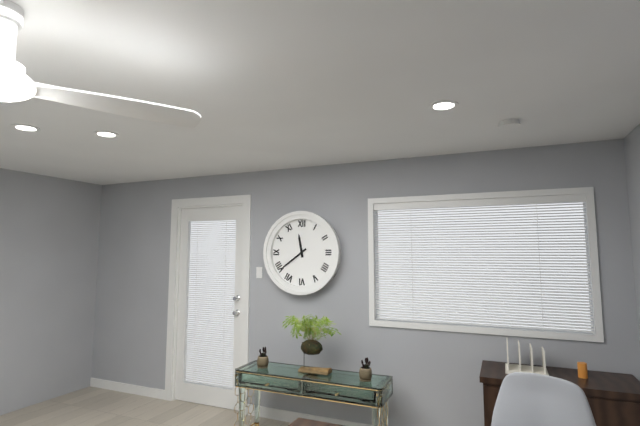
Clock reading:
11.39
